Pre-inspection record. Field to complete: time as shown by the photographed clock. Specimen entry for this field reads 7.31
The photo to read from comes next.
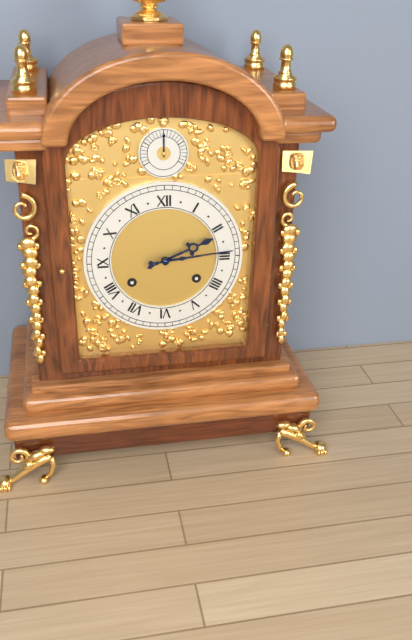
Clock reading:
2.14
